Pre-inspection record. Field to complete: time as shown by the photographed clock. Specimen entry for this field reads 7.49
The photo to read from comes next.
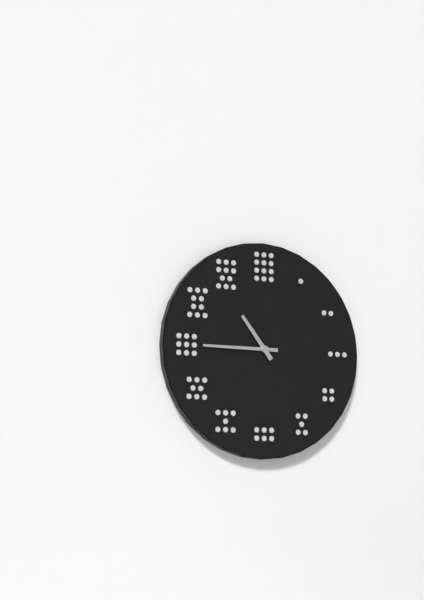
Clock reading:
10.45
